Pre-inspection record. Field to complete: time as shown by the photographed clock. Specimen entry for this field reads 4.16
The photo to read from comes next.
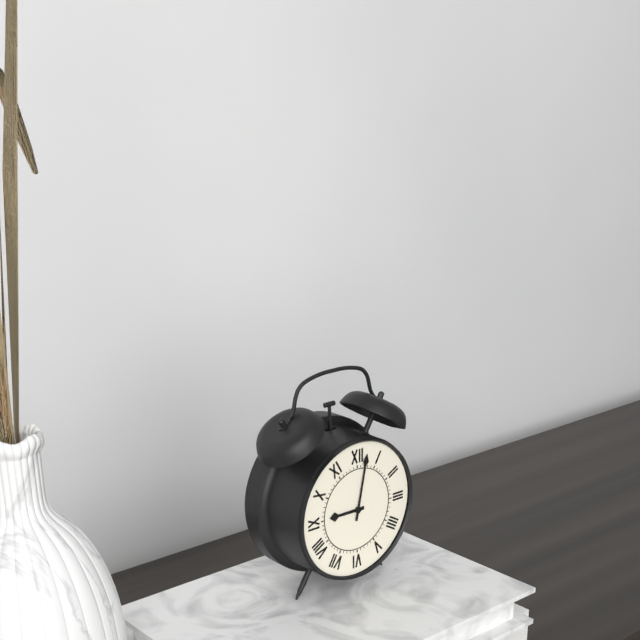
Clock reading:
9.02
